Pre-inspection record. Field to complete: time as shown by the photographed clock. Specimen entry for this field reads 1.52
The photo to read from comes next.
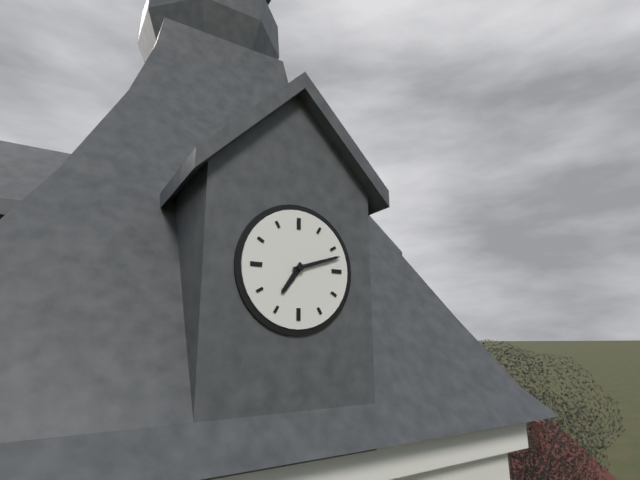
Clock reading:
7.12
